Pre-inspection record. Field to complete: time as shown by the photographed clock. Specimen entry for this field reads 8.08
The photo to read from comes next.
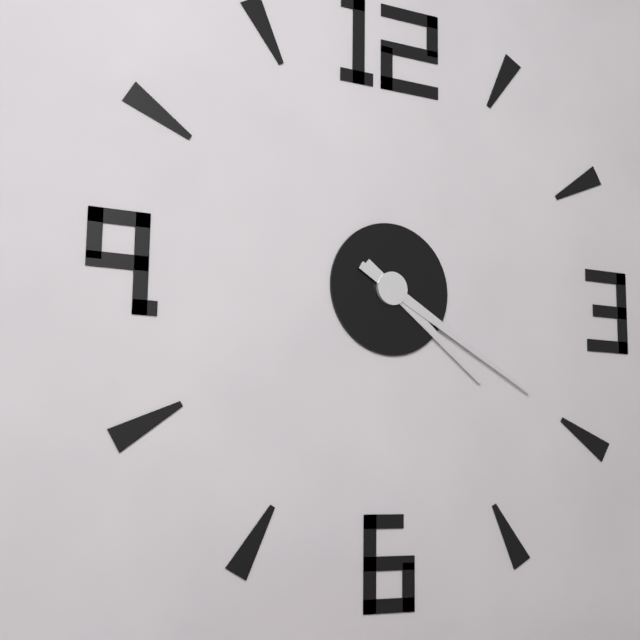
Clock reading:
4.20
